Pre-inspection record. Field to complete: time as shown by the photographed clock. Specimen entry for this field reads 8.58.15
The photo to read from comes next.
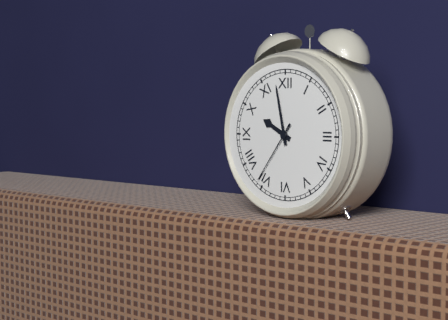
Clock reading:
9.58.36
